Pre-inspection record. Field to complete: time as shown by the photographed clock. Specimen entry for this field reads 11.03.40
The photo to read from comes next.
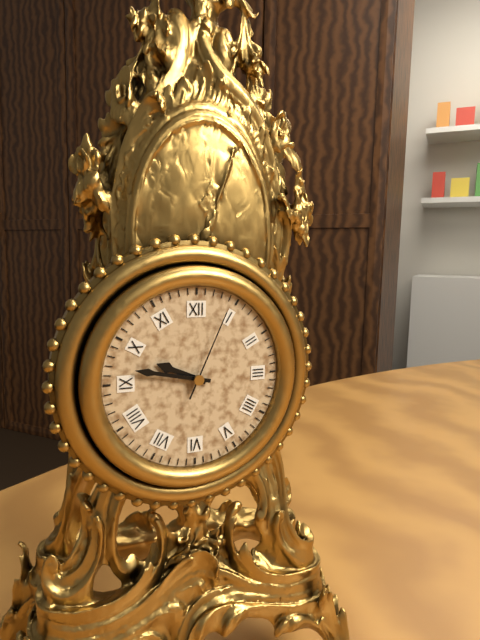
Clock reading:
9.47.04
